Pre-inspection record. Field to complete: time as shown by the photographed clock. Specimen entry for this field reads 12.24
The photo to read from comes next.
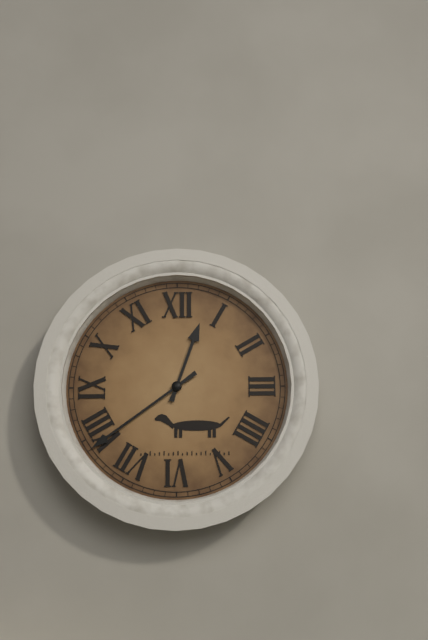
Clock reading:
12.39
